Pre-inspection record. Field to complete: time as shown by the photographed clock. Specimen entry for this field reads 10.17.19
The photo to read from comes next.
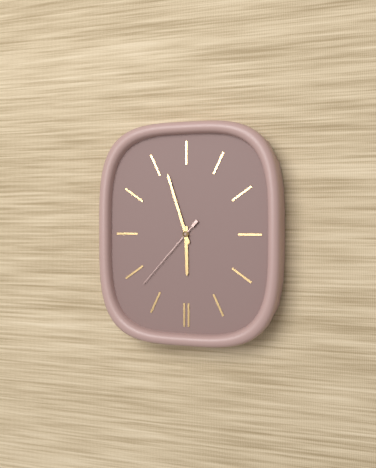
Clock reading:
5.57.37
